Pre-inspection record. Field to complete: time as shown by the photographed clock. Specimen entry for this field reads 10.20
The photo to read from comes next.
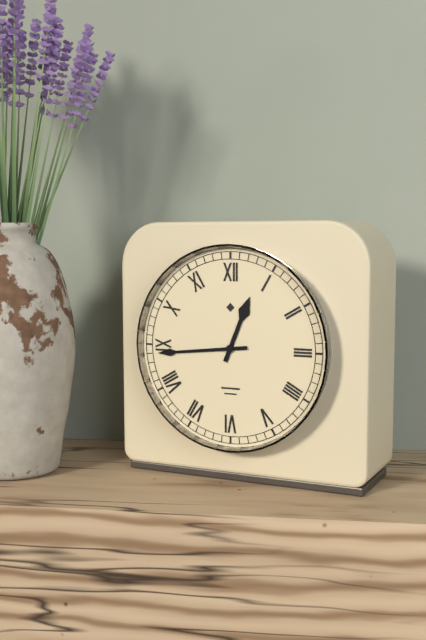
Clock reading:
12.44
